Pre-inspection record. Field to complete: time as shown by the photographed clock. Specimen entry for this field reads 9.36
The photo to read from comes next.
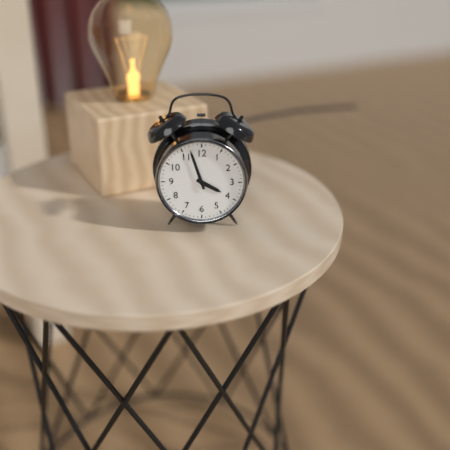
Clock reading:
3.57
